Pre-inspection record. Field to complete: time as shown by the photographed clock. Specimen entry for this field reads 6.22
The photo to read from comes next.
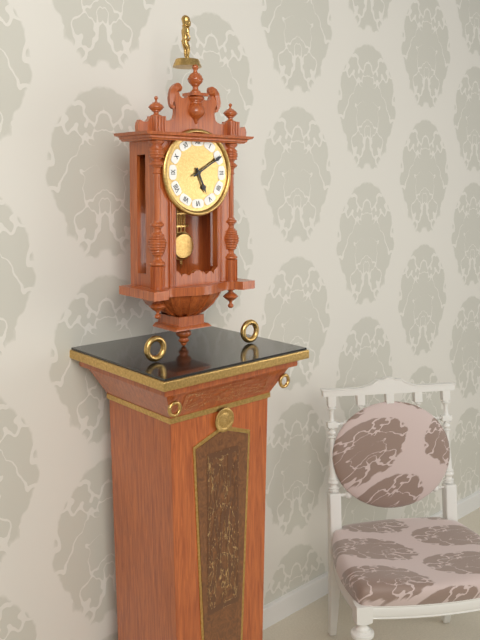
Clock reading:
5.10
